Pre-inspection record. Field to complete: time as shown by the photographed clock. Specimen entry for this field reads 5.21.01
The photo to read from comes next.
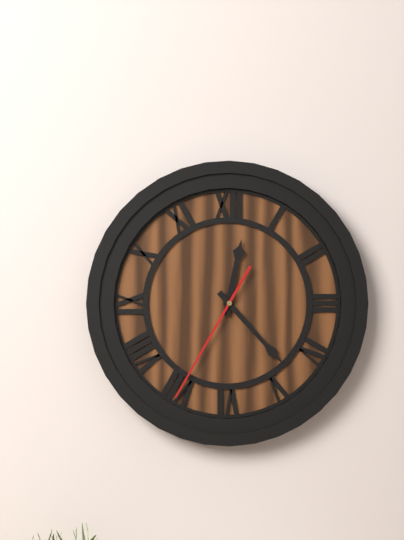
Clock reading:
12.23.35
